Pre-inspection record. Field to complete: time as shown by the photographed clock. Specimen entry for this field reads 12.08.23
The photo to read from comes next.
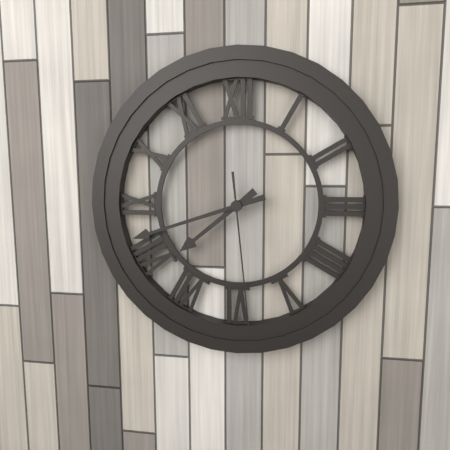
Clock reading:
7.42.29
